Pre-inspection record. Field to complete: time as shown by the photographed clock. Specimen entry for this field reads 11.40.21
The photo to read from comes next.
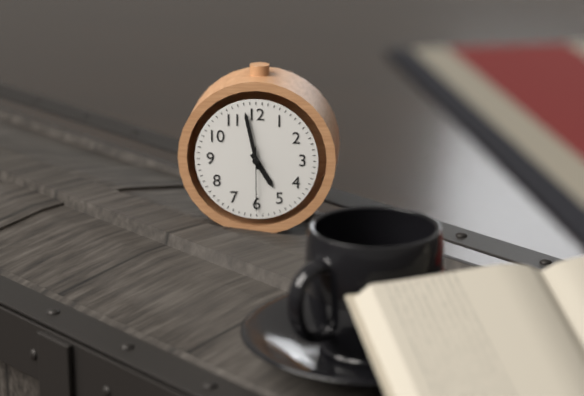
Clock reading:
4.58.30
